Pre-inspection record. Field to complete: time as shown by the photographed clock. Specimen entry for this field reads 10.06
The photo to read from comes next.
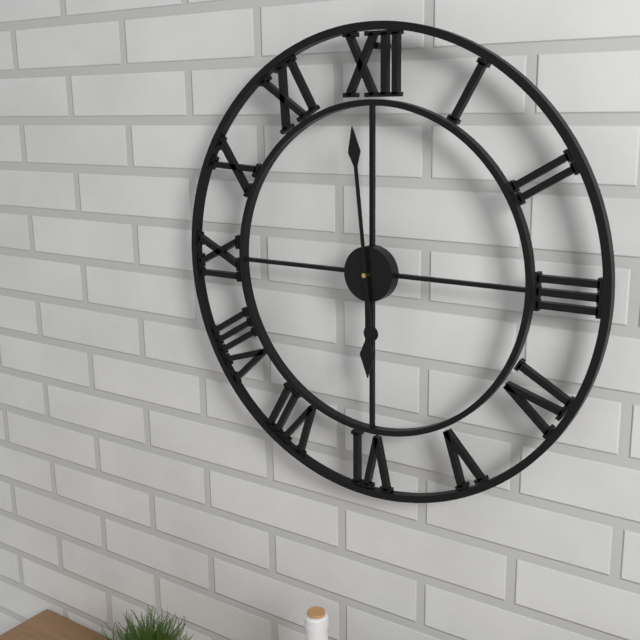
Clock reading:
5.59
